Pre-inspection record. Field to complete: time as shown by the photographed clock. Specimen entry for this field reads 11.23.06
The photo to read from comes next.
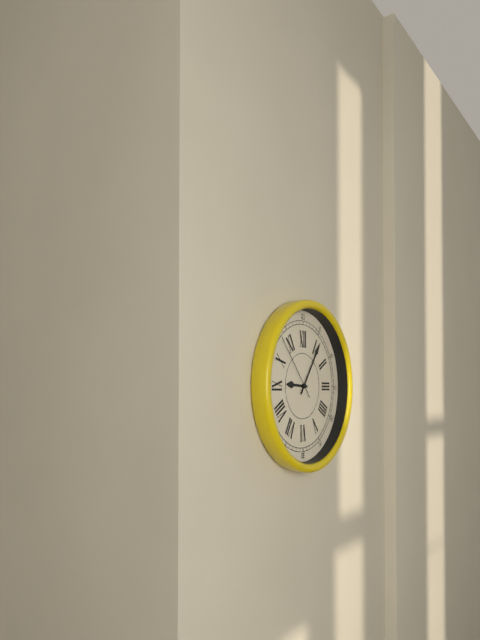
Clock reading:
9.06.53
